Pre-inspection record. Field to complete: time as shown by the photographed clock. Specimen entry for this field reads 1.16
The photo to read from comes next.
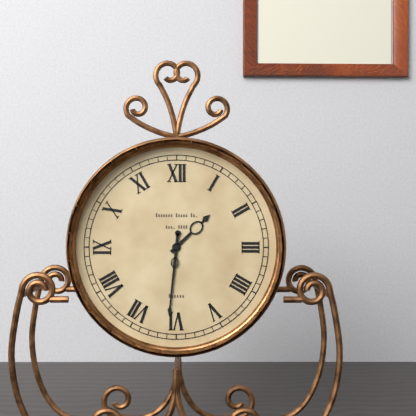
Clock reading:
1.31
